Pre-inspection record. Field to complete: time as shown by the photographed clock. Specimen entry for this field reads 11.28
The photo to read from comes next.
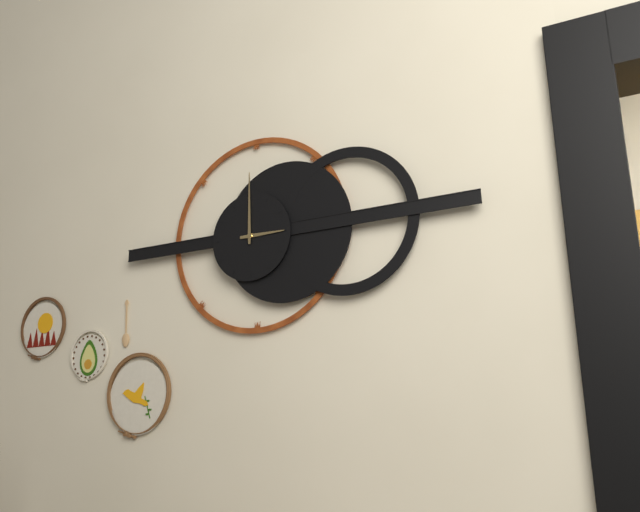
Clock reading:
3.00
